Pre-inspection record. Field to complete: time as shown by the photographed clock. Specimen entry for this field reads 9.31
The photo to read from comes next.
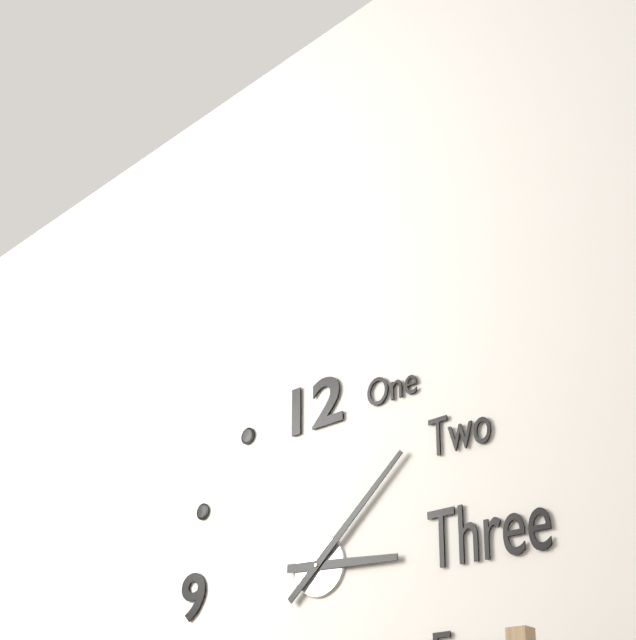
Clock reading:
3.08
